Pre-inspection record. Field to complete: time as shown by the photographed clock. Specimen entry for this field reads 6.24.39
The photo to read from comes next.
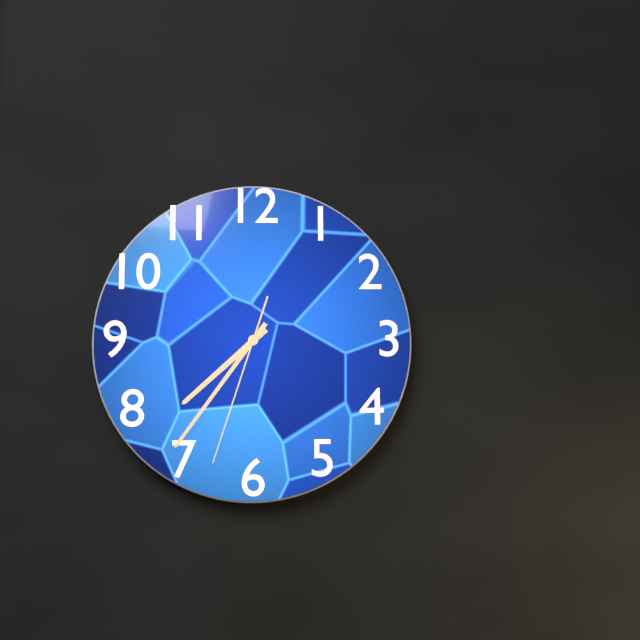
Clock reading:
7.36.33
